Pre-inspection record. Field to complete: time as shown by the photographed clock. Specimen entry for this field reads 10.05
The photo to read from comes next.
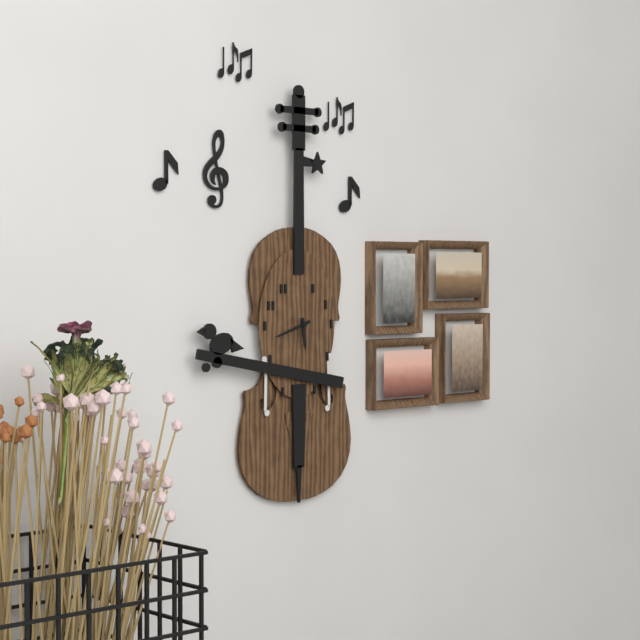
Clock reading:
5.42
